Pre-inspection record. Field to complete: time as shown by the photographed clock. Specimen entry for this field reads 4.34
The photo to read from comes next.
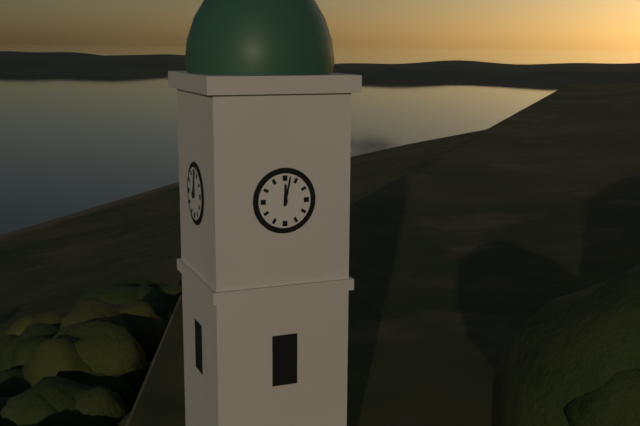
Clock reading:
12.02
